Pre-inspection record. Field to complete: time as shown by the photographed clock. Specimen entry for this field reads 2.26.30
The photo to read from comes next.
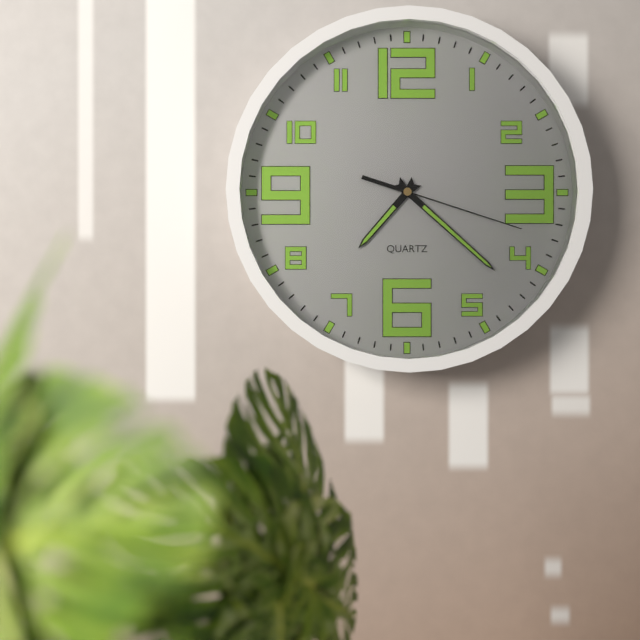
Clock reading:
7.22.18
